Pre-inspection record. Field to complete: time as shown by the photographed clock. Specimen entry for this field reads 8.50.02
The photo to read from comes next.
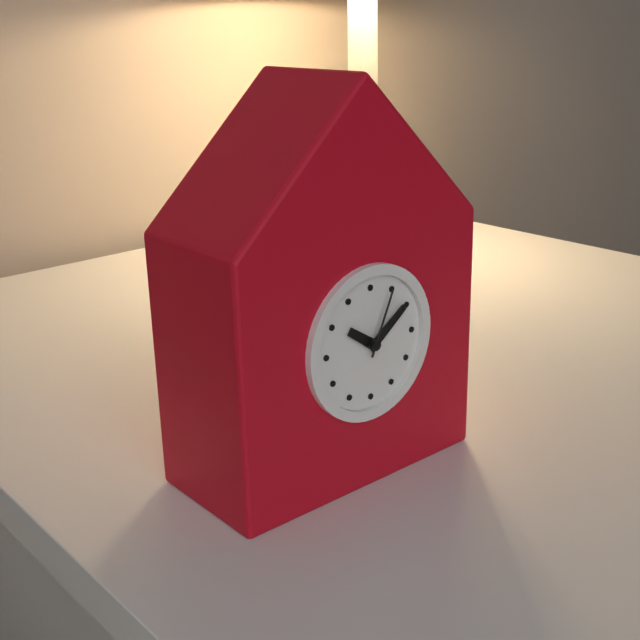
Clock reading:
10.09.04
